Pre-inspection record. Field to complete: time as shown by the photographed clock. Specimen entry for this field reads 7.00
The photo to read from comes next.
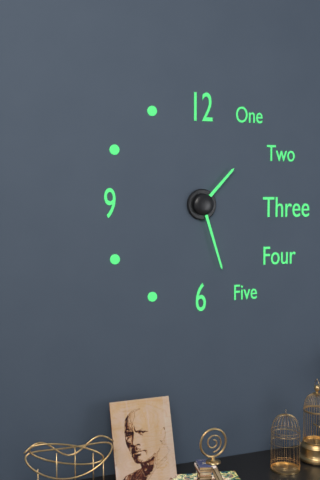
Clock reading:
1.27
